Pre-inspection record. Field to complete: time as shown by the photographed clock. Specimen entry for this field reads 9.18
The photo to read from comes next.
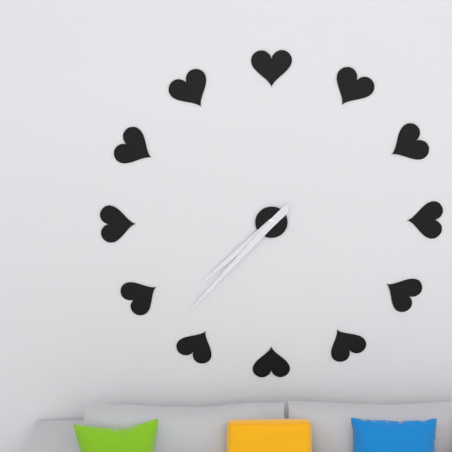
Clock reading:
7.37
